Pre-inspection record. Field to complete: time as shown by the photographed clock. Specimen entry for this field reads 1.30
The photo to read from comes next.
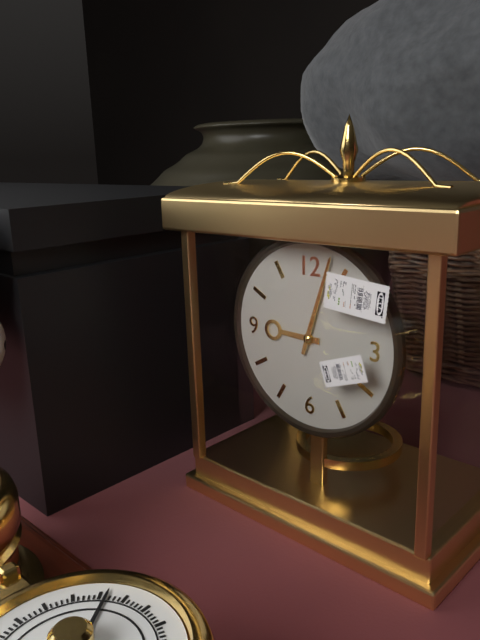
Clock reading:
9.03
